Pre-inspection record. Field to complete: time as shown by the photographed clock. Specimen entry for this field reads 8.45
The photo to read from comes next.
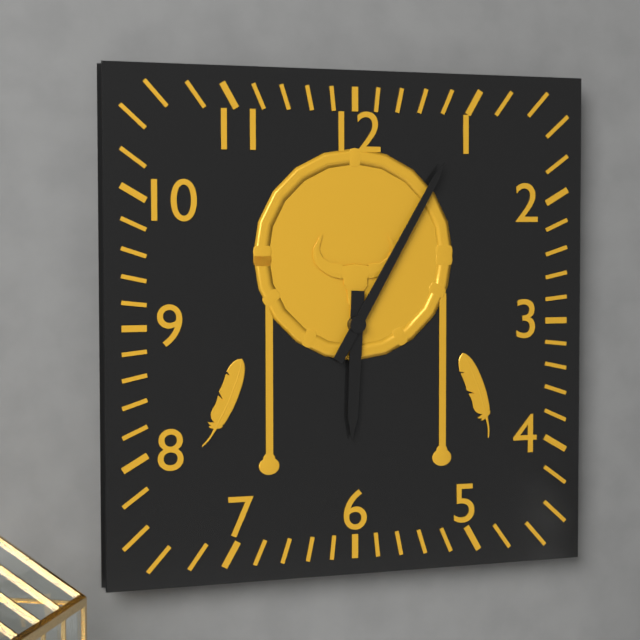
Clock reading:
6.05
